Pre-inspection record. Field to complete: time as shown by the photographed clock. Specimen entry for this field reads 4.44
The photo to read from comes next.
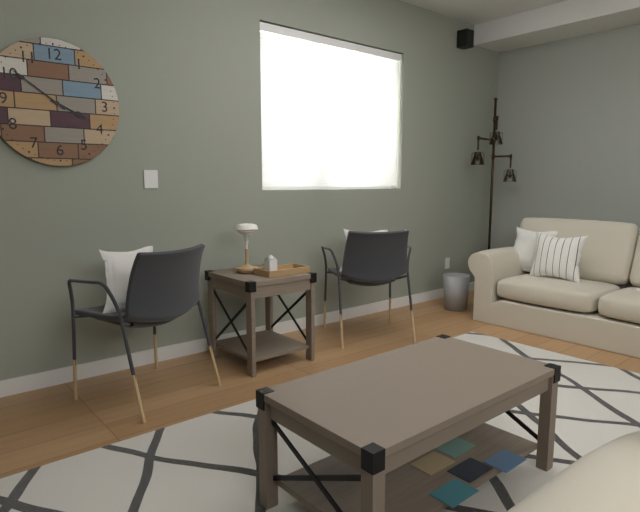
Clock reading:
3.51
